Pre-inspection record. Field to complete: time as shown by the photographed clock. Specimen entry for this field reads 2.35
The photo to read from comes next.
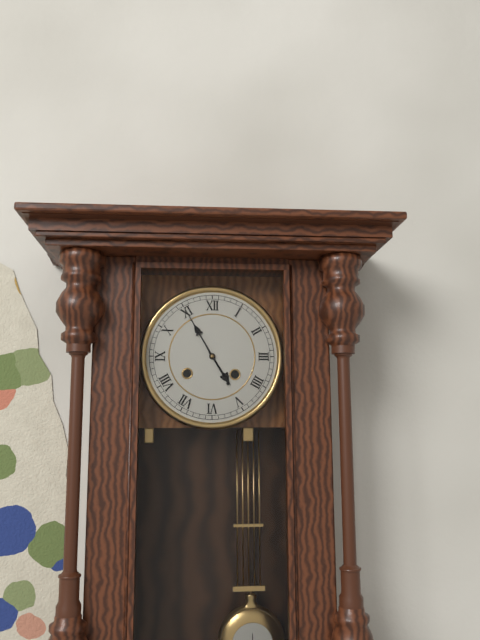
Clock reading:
4.55
